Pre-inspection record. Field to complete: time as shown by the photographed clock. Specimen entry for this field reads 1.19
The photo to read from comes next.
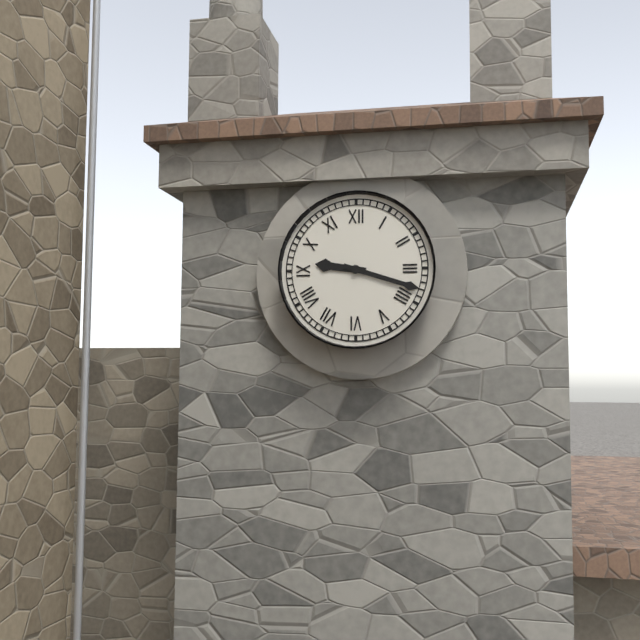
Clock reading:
9.18
